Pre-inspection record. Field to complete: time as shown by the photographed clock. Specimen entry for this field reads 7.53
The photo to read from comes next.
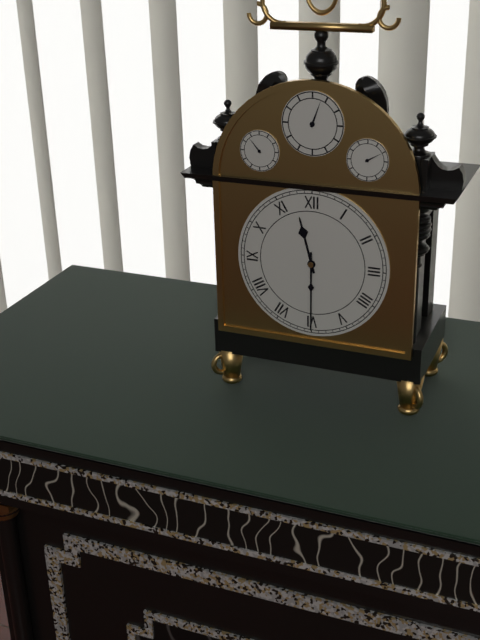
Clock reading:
11.30
